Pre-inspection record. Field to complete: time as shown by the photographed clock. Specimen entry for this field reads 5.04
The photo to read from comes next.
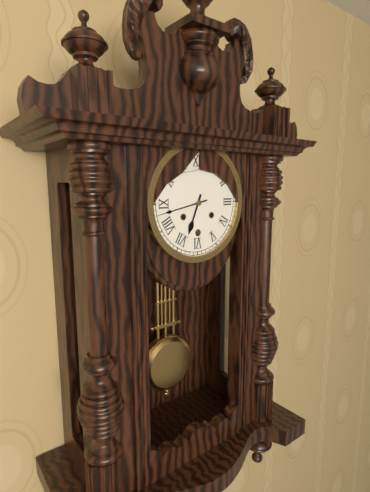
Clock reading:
6.43
